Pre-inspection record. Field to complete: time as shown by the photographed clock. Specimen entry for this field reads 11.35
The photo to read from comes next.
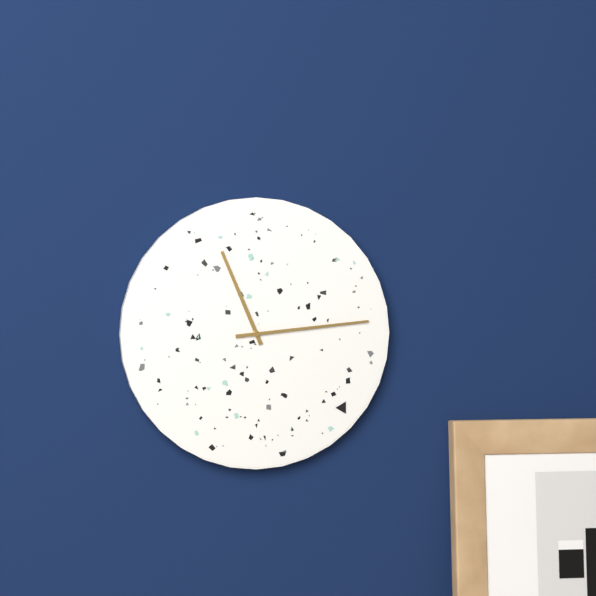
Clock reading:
11.14
